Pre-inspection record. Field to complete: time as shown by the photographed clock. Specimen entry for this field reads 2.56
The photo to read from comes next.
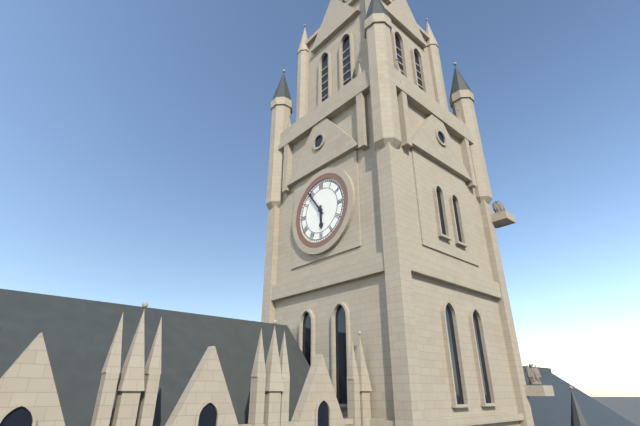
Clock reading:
5.54
